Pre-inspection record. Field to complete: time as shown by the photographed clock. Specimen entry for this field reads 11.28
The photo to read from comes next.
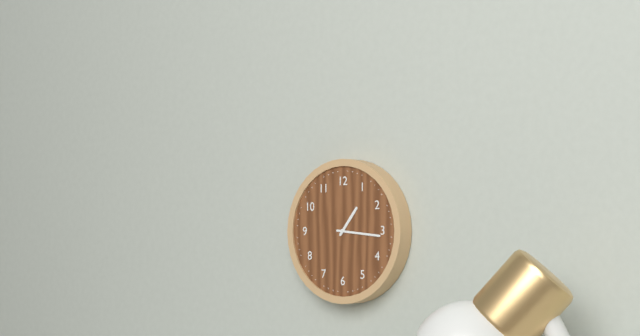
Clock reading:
1.16
